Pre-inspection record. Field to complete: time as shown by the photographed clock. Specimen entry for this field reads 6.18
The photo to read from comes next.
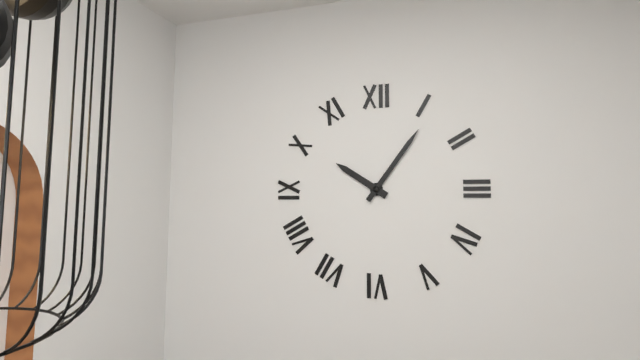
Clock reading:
10.06
